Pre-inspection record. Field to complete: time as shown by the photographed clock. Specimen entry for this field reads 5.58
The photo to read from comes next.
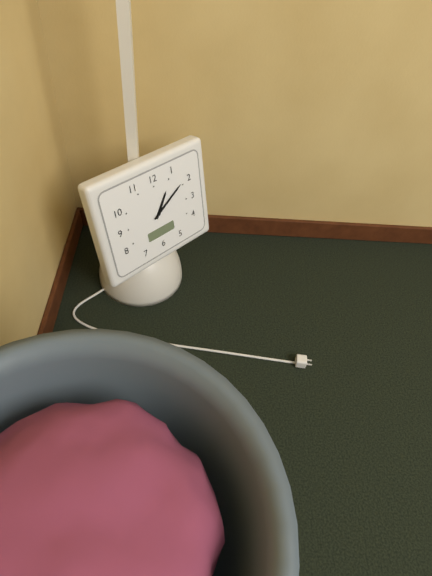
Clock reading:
1.10
